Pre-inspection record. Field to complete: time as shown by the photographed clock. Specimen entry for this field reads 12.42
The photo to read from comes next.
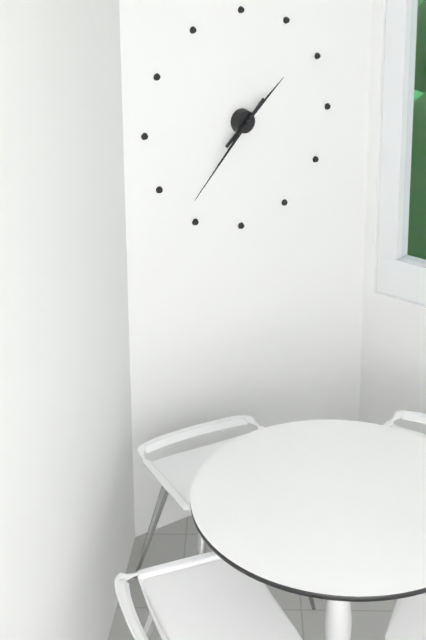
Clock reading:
1.37
